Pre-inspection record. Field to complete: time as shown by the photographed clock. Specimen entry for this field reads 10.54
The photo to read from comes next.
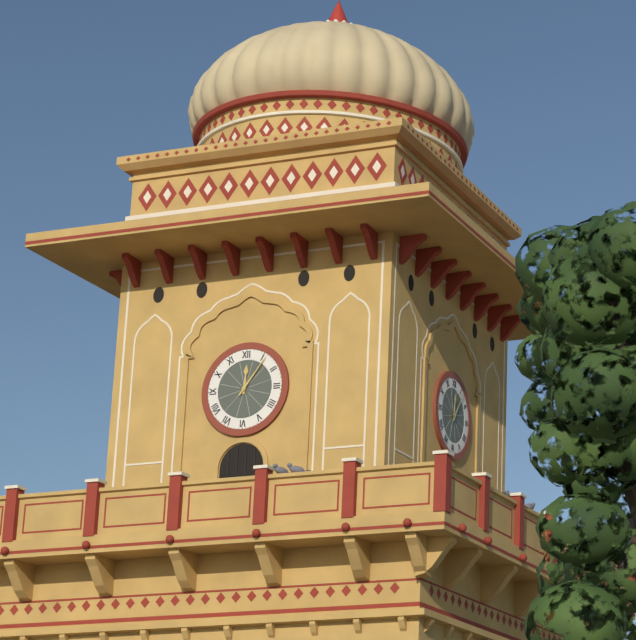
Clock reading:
12.06
